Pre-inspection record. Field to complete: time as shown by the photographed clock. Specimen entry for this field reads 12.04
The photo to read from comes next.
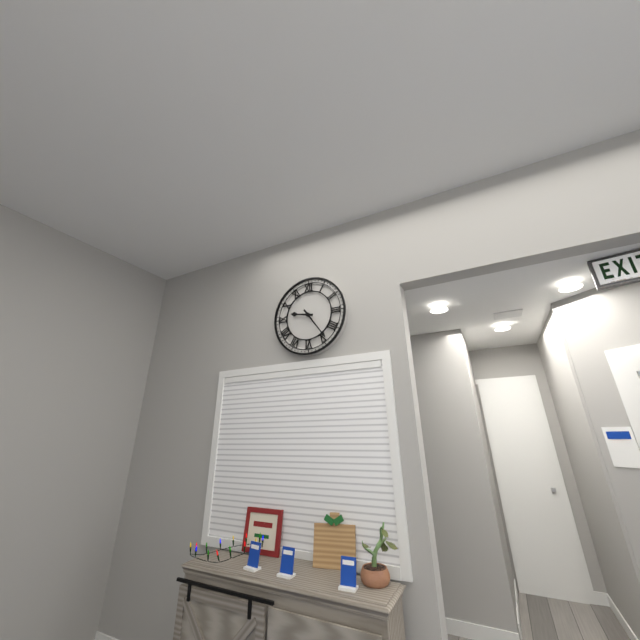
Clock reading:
9.24
